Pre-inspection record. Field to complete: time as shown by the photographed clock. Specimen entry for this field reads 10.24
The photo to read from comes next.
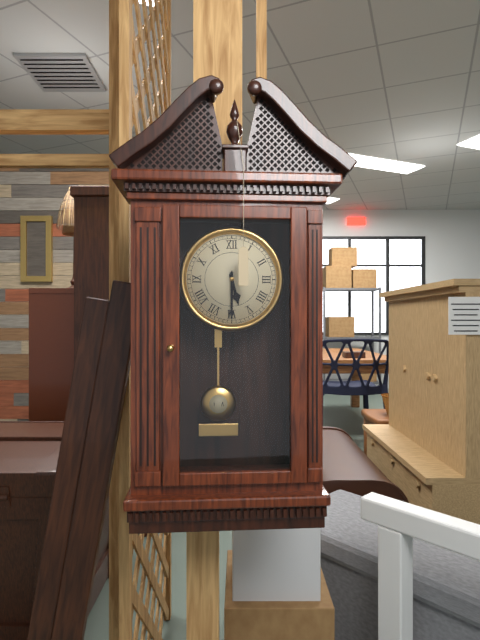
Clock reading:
5.30
